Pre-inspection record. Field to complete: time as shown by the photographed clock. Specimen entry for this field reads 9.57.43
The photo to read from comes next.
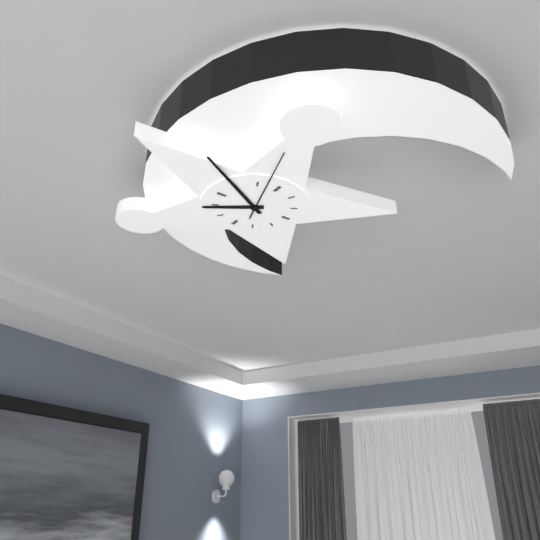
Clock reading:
7.50.57
